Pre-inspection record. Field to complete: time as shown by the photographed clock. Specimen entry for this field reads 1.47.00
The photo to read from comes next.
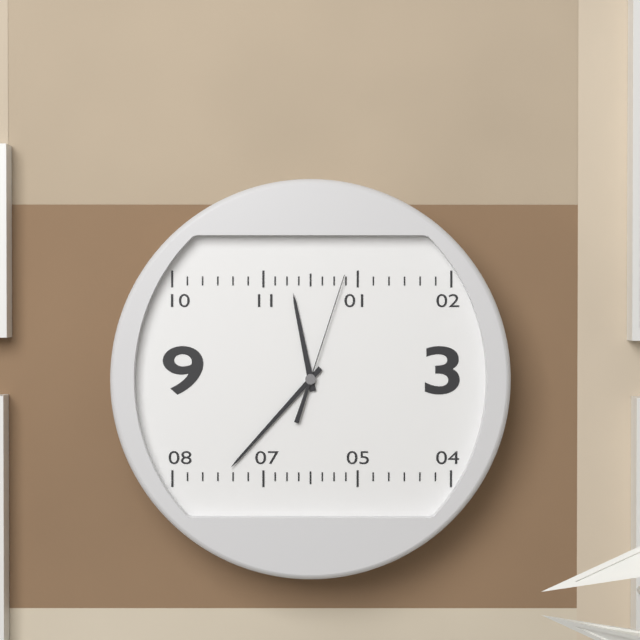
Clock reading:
11.37.03
